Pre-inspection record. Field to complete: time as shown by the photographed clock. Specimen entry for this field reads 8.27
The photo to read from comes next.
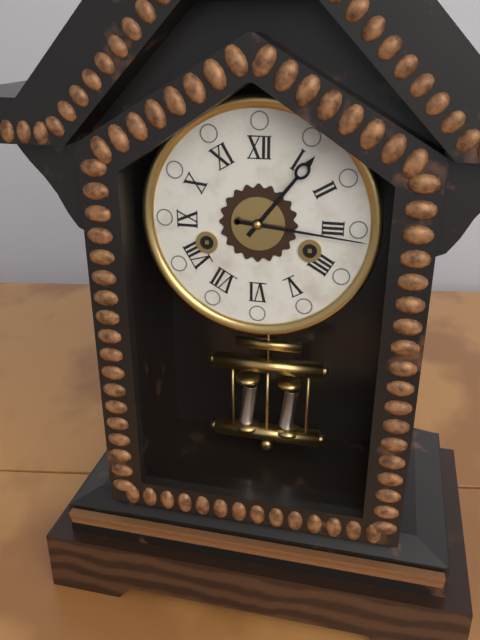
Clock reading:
1.16
